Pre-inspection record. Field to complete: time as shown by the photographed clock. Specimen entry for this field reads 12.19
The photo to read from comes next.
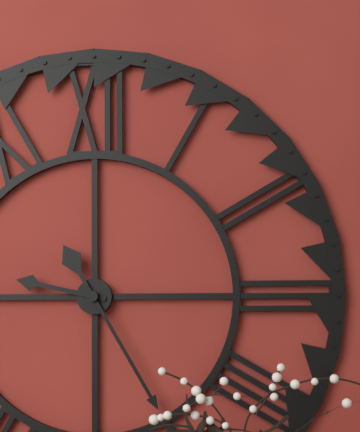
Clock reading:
9.25
